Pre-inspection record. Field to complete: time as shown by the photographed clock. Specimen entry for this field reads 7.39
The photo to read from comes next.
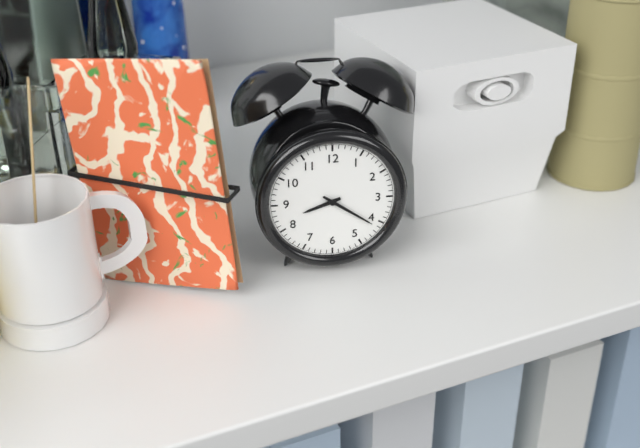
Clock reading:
8.21
